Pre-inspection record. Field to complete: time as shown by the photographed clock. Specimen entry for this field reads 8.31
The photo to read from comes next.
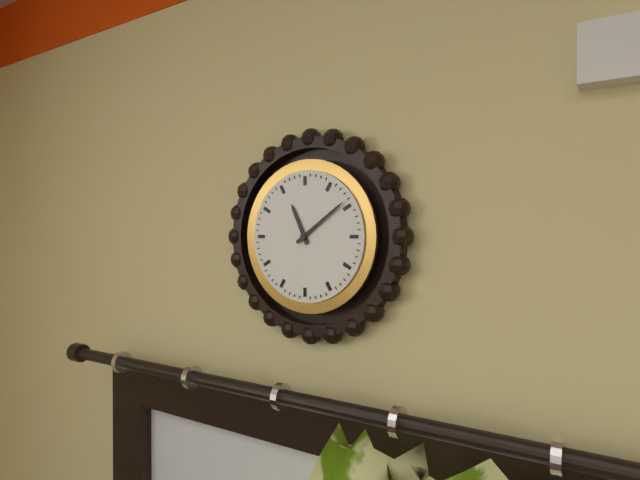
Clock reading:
11.09
